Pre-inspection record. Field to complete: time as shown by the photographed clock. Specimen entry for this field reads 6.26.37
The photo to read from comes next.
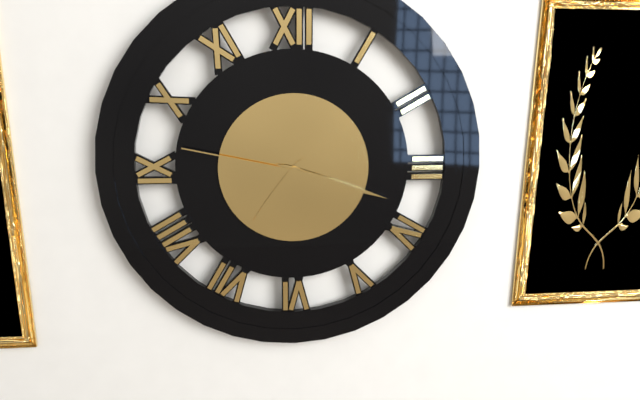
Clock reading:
7.18.47
